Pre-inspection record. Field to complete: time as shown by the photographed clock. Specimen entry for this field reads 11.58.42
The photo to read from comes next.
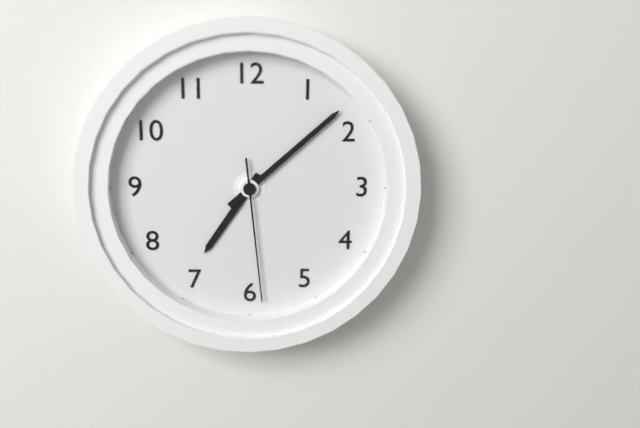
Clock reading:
7.08.29
